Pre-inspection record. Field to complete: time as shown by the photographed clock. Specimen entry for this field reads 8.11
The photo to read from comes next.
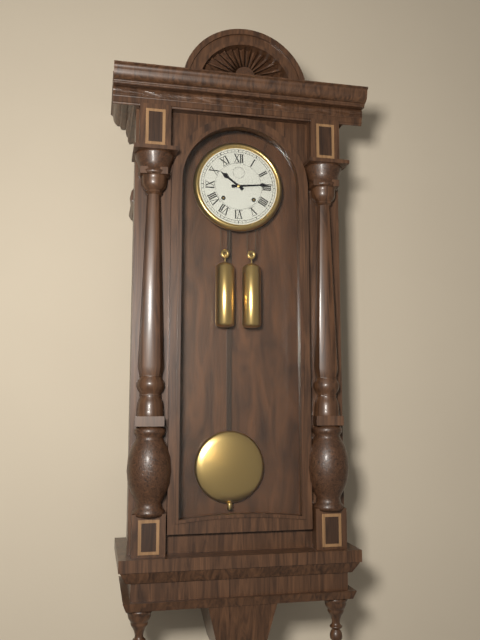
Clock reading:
10.14
